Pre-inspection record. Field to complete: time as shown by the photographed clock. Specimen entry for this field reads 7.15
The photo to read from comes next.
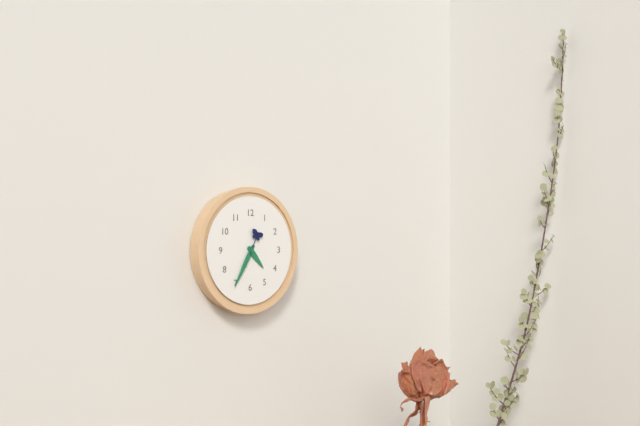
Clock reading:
4.35
